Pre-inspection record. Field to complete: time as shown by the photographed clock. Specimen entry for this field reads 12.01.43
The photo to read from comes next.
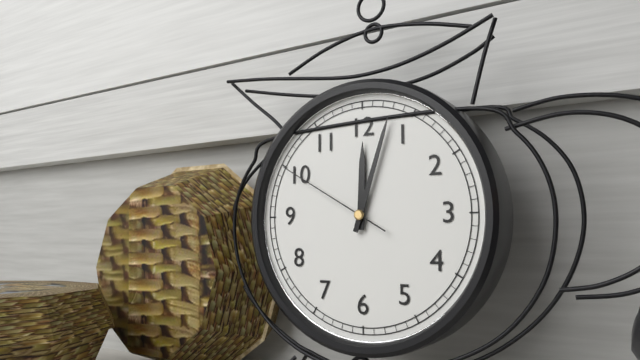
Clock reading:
12.03.50
